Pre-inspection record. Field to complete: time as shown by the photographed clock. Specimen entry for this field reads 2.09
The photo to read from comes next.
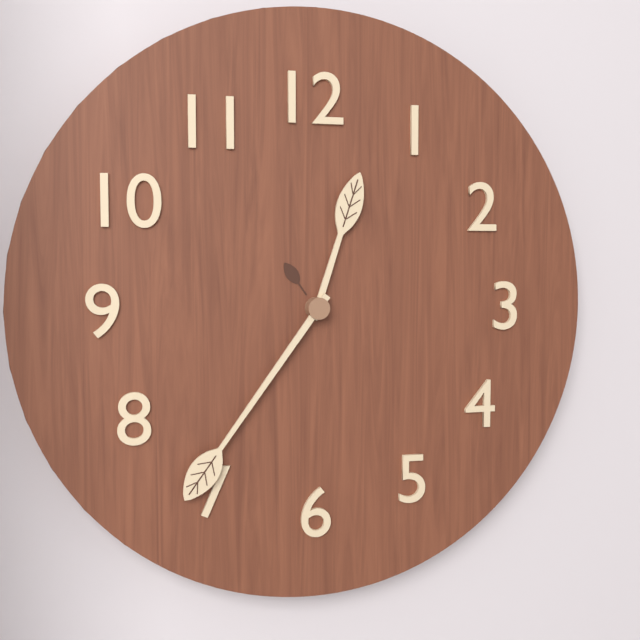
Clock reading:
12.36
